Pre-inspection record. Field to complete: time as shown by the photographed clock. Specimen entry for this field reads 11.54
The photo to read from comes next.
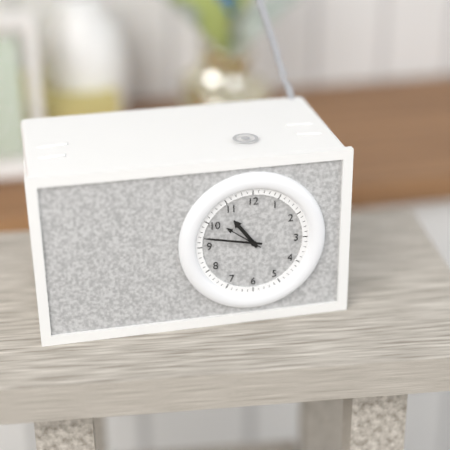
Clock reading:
10.47
